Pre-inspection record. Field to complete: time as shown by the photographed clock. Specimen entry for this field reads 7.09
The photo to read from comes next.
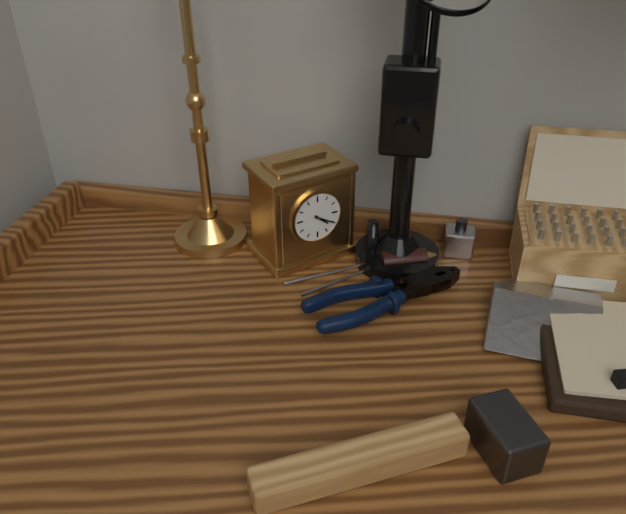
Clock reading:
4.20
